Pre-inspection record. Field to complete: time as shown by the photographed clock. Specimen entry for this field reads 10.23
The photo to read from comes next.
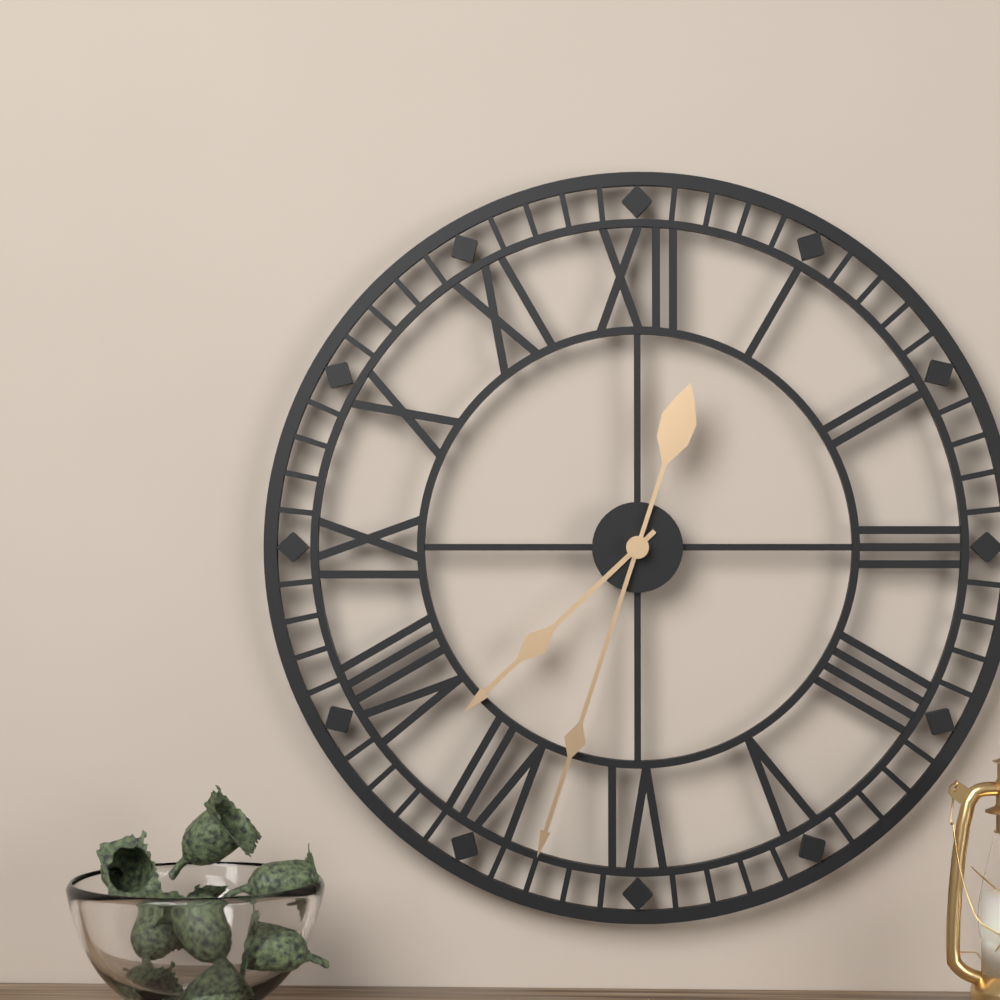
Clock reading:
7.33
